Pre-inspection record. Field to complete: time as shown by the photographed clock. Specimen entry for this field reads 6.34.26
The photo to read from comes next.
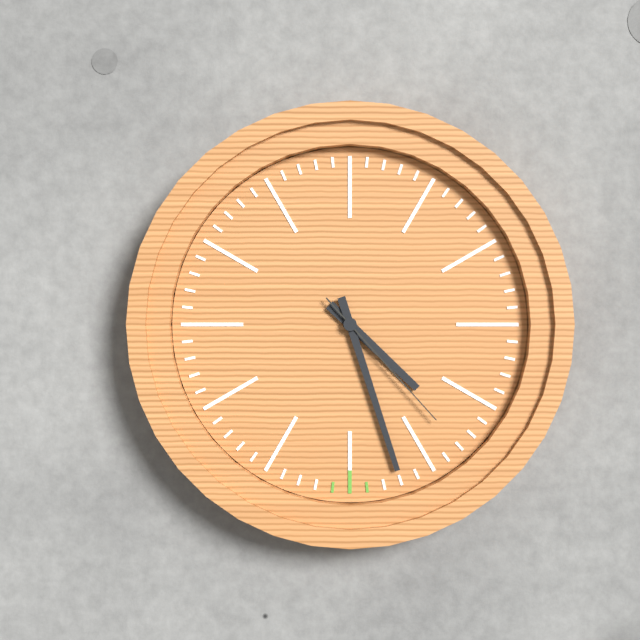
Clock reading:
4.27.23
